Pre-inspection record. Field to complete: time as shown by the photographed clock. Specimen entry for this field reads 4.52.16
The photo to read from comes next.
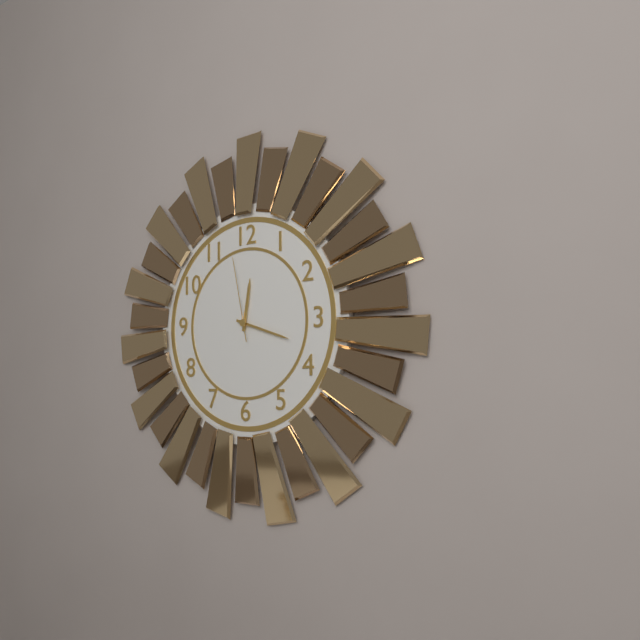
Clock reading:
12.18.58
